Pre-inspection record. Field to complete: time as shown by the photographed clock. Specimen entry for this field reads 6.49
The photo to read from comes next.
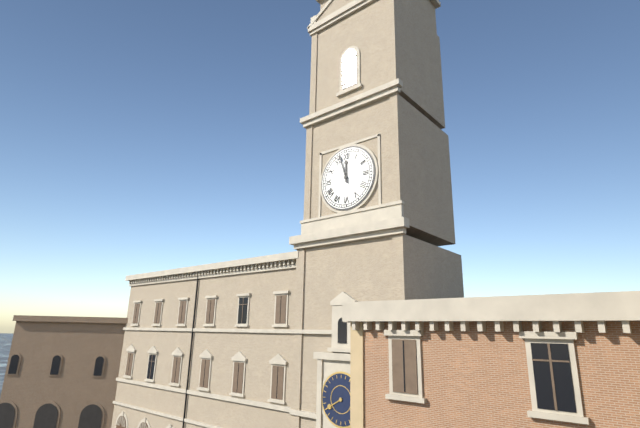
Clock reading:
11.57
